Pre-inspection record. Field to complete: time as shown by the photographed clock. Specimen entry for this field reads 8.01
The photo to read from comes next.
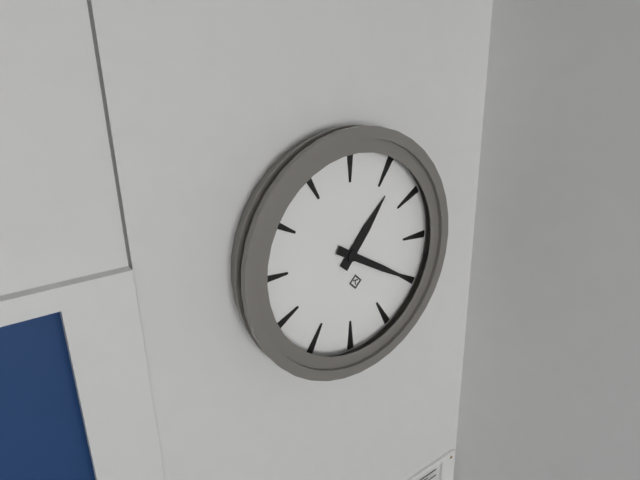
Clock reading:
1.20
